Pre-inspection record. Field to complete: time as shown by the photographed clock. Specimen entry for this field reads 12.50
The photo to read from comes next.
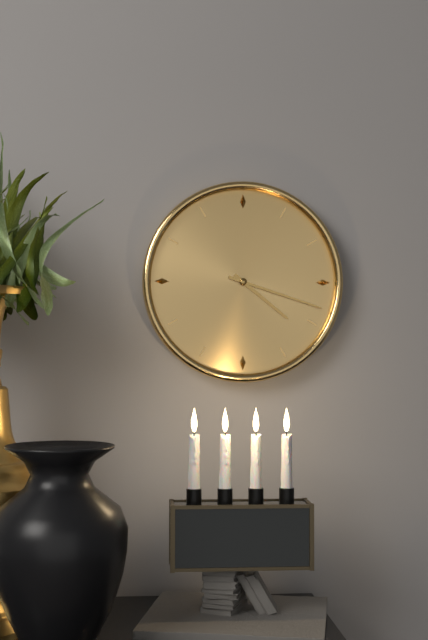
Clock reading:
4.18
